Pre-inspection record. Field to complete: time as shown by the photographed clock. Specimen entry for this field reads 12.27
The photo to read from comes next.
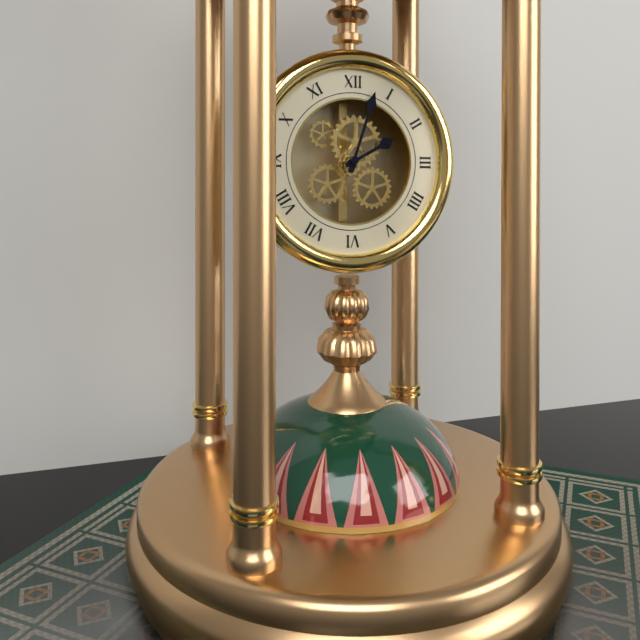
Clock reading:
2.03
